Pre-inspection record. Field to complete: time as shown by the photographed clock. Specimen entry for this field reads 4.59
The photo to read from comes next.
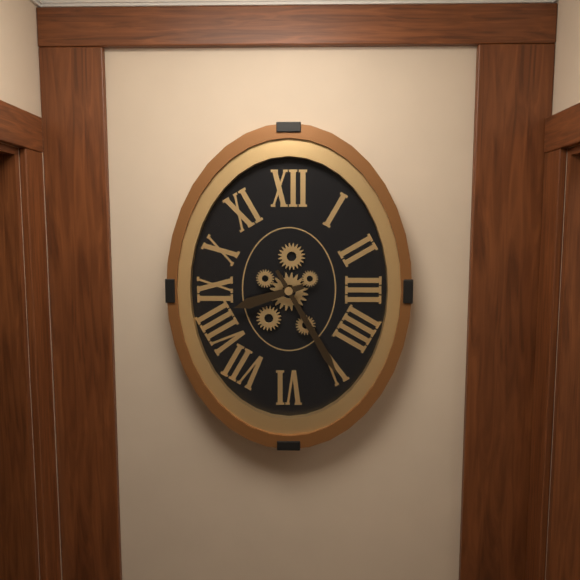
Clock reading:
8.25
